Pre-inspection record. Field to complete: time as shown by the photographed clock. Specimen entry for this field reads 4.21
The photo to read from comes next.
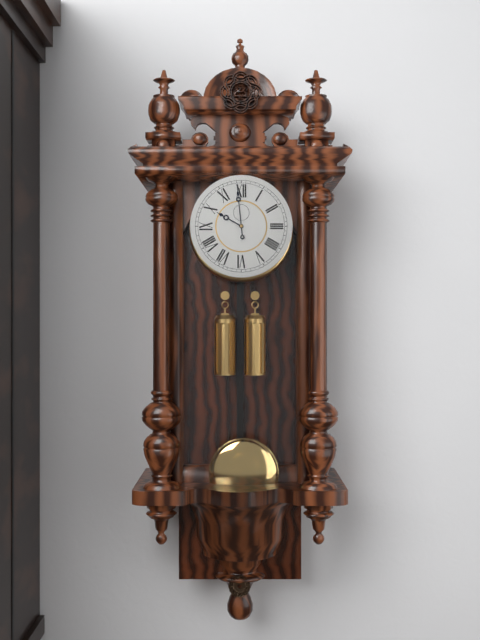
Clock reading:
9.59
